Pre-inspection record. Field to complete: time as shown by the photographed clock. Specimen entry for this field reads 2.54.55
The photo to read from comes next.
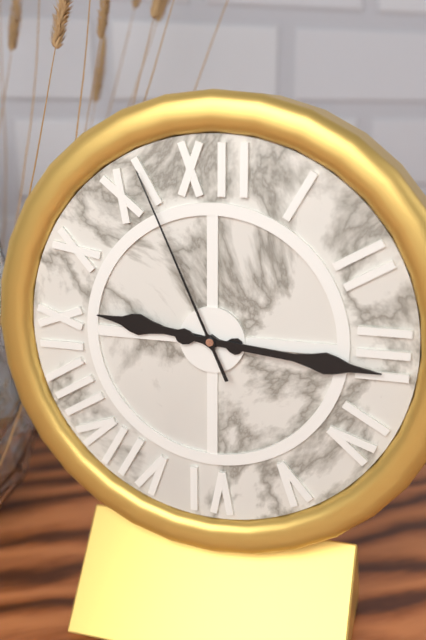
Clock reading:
9.16.56
